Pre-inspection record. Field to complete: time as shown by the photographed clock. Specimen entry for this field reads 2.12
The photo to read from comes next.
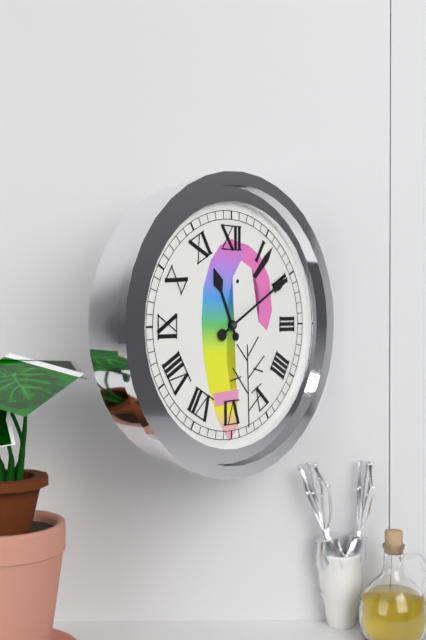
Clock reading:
11.10
